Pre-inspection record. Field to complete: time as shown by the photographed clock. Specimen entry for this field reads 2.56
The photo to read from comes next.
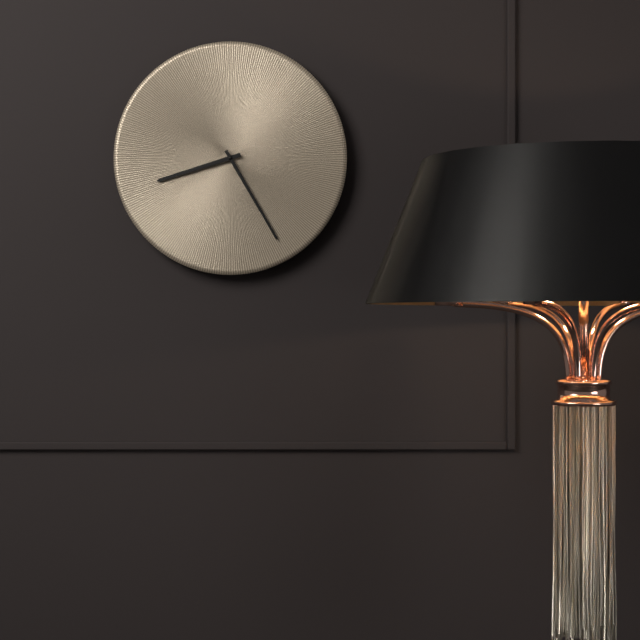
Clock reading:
8.25
